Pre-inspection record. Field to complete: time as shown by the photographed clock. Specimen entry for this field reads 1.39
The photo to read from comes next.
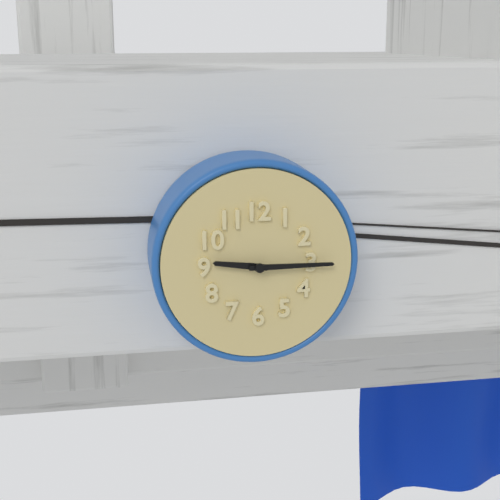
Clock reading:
9.15
